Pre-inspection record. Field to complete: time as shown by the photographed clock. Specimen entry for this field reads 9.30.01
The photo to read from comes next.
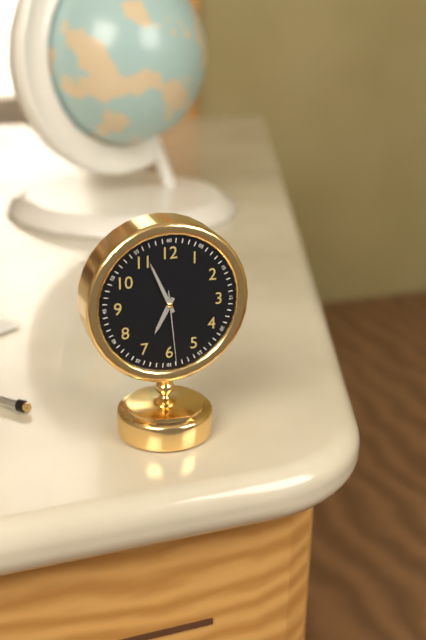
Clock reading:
6.56.29
